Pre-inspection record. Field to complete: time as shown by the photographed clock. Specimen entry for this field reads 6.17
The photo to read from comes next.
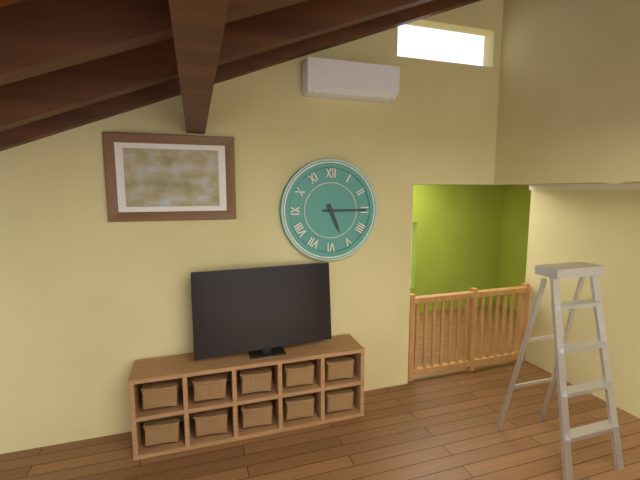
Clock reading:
5.15
